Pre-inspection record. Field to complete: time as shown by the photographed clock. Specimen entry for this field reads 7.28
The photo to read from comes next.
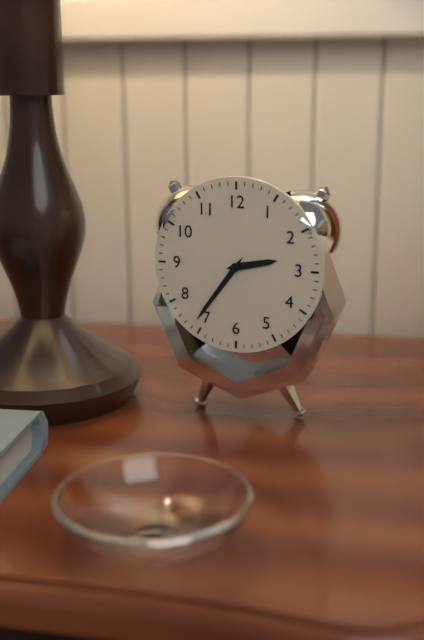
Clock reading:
2.36
